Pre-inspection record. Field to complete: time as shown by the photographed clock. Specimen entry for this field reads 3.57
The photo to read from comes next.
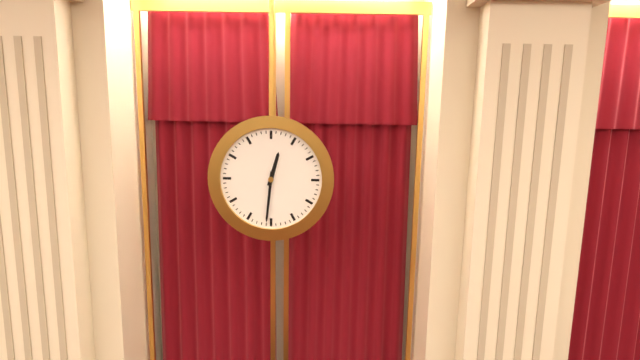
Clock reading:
12.31
